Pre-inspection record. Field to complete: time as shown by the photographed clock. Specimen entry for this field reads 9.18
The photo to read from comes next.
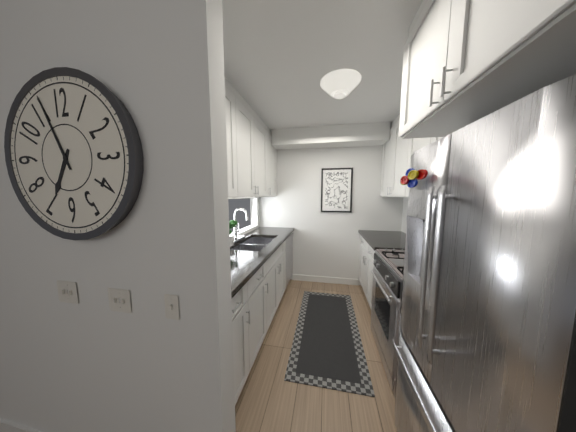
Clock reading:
6.56
